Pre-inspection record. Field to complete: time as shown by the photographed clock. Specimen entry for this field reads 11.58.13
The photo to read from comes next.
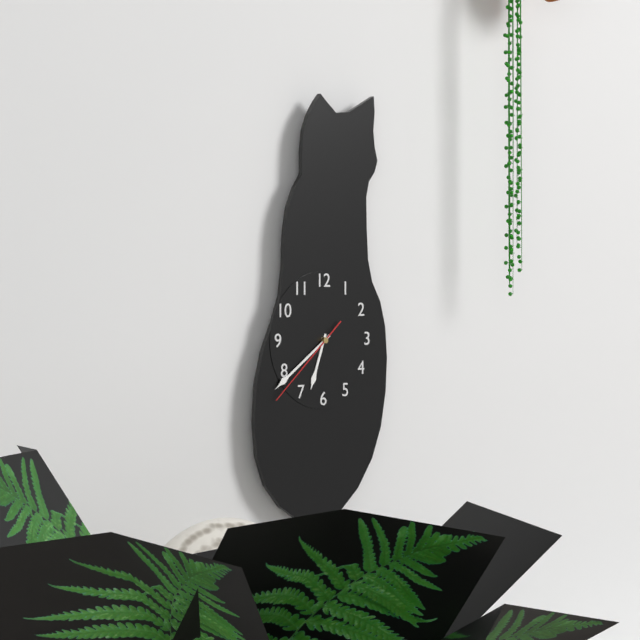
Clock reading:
6.39.38
